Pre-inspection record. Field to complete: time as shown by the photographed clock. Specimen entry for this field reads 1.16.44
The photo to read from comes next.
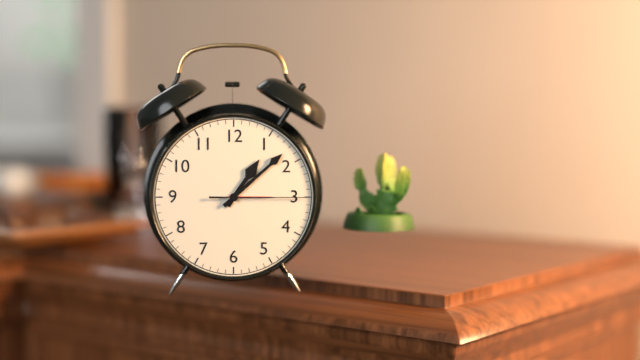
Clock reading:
1.08.15
